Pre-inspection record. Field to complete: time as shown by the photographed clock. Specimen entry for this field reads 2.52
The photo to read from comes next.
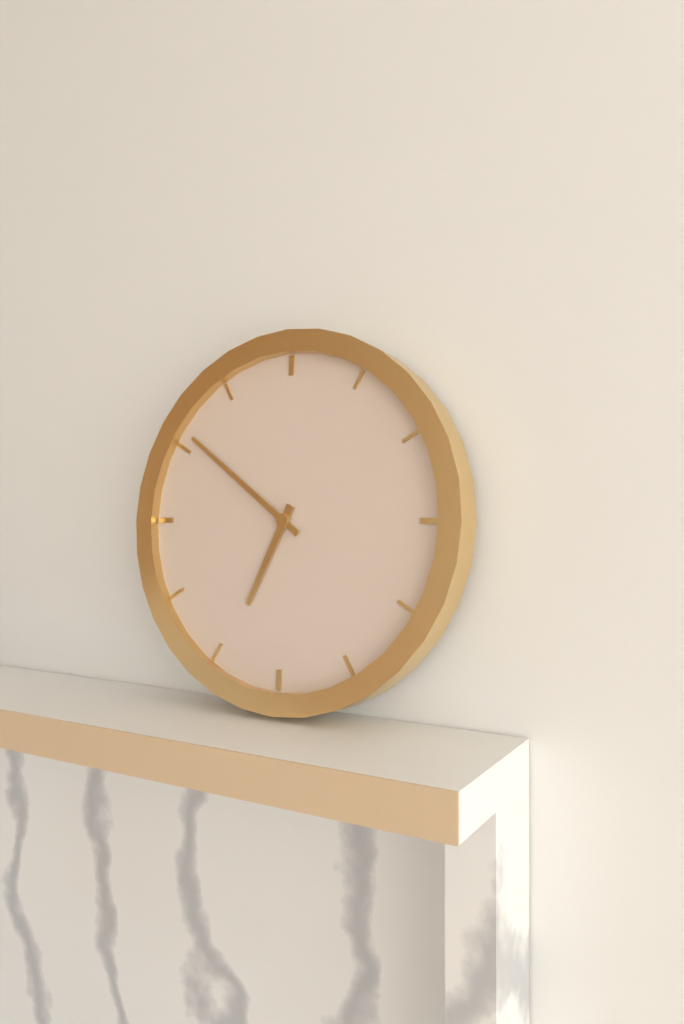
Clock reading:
6.51
